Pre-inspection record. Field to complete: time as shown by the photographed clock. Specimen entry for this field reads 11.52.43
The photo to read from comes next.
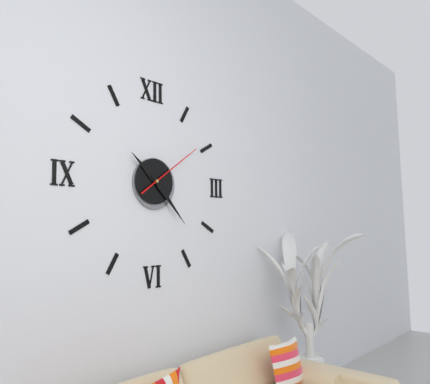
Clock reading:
10.23.09
